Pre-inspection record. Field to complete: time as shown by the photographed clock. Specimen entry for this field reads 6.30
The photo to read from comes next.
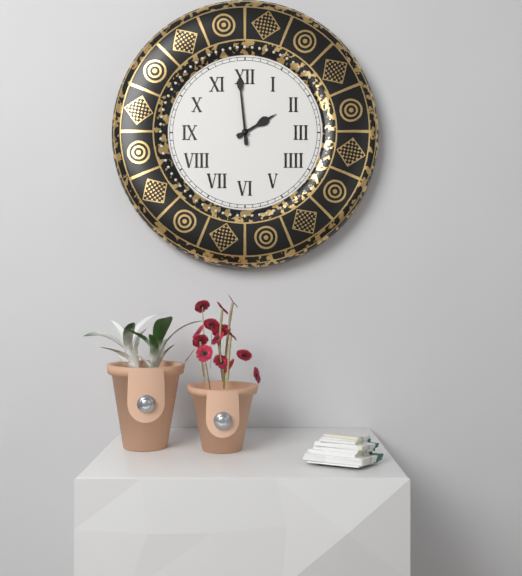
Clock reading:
1.59
